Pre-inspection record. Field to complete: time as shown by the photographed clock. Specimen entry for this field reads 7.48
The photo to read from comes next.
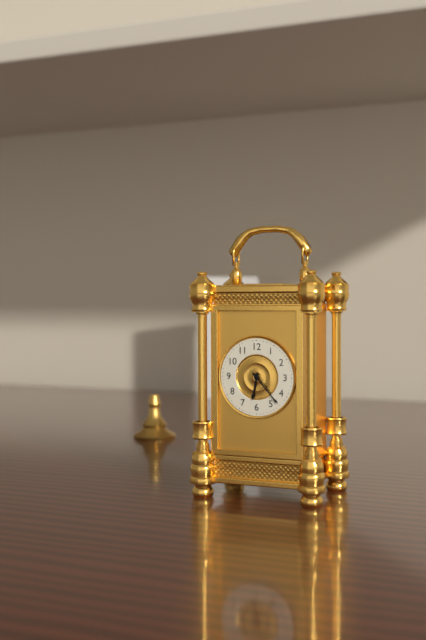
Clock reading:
6.23
